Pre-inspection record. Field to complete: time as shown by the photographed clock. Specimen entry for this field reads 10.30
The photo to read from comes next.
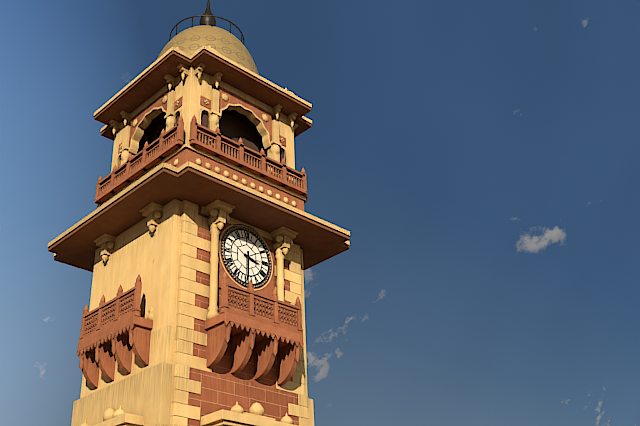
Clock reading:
3.30
